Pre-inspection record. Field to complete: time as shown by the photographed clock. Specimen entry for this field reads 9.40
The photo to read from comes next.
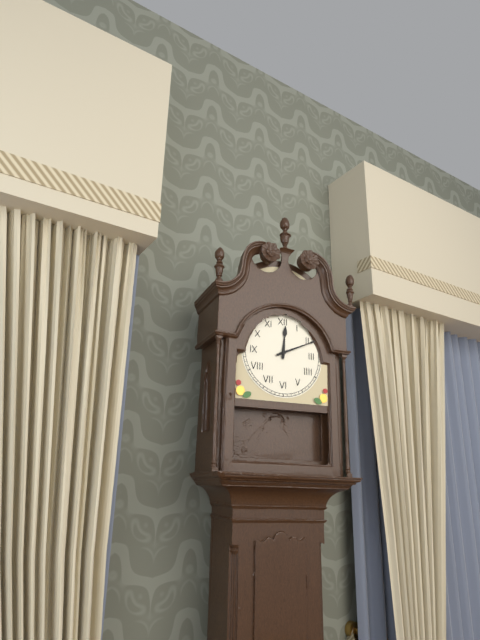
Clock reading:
12.11
